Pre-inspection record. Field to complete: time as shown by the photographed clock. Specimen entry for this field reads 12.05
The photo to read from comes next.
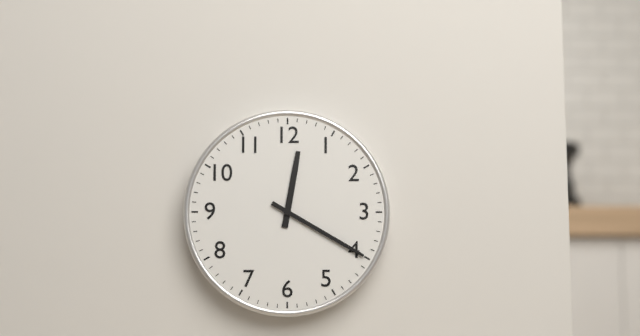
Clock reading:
12.20
